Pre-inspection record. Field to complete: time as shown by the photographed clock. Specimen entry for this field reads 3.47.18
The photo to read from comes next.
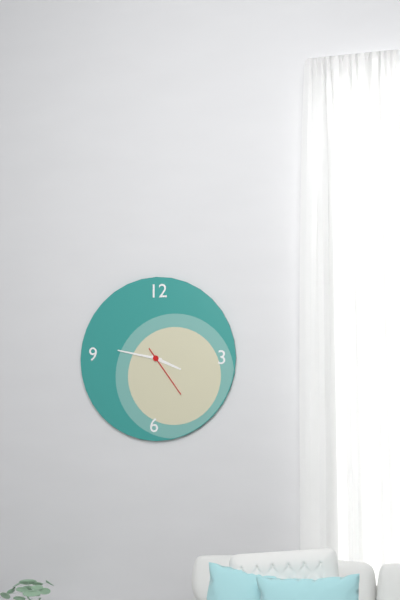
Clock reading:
3.47.24
